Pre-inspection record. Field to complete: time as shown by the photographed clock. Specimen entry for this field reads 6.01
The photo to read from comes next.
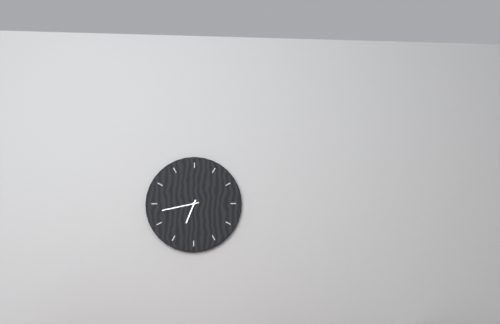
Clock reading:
6.43
